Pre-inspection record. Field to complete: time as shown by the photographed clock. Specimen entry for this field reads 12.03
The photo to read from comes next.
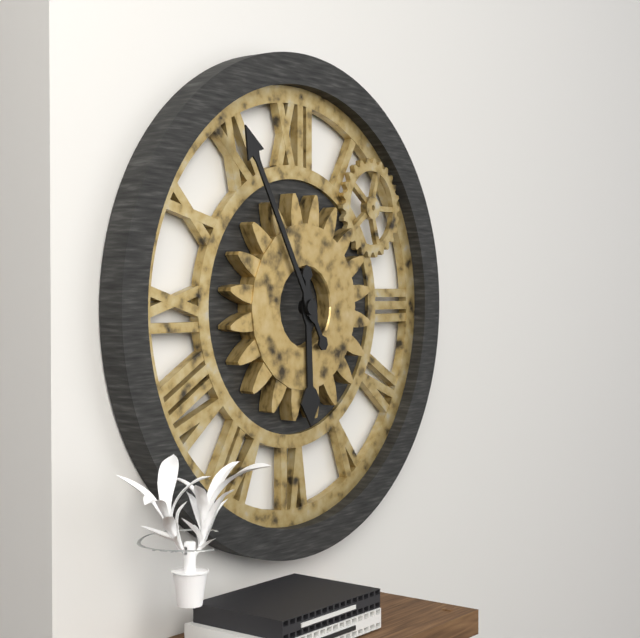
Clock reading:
5.55
